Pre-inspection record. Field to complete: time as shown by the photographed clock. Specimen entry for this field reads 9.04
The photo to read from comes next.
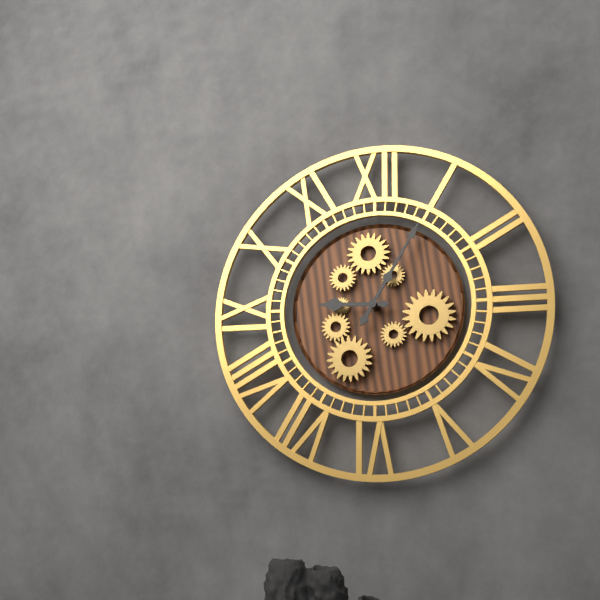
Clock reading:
9.05
